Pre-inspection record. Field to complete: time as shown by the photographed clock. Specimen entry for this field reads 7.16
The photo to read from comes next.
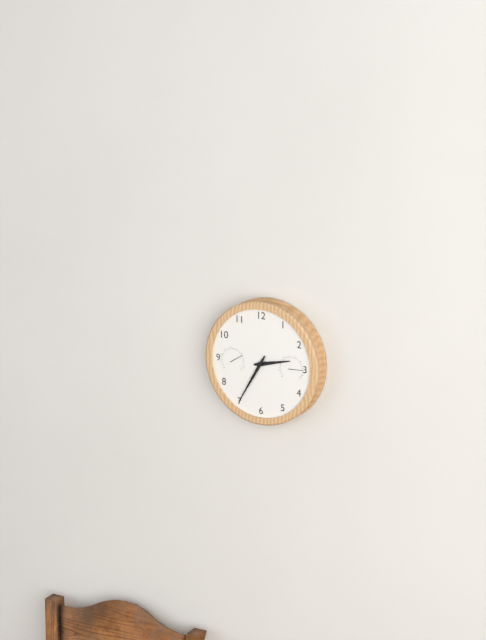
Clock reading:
2.35
